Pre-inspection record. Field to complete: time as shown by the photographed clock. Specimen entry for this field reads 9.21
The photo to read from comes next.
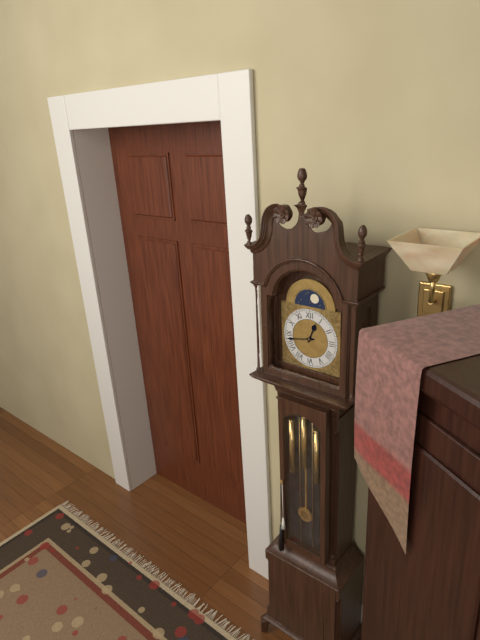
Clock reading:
12.43
